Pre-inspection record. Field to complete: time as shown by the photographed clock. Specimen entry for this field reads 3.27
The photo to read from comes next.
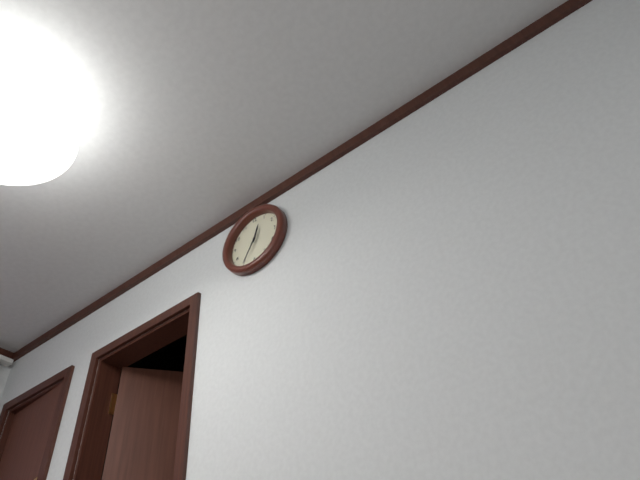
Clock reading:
12.35
